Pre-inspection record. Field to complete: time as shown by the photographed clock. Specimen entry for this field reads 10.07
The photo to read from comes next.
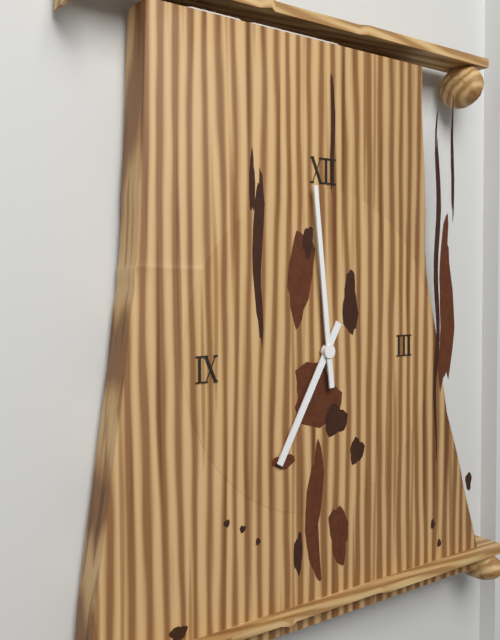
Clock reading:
6.59
